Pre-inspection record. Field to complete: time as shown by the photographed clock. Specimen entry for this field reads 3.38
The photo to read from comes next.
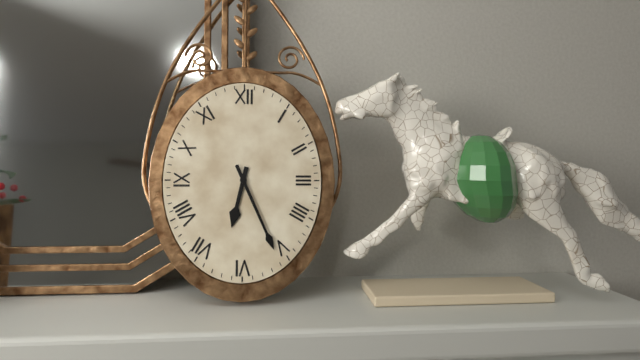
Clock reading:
6.26
